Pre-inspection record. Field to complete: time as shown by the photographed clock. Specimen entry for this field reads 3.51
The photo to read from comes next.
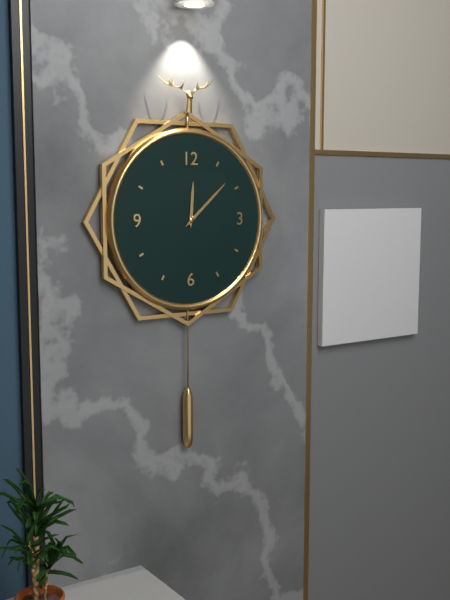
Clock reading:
12.08
